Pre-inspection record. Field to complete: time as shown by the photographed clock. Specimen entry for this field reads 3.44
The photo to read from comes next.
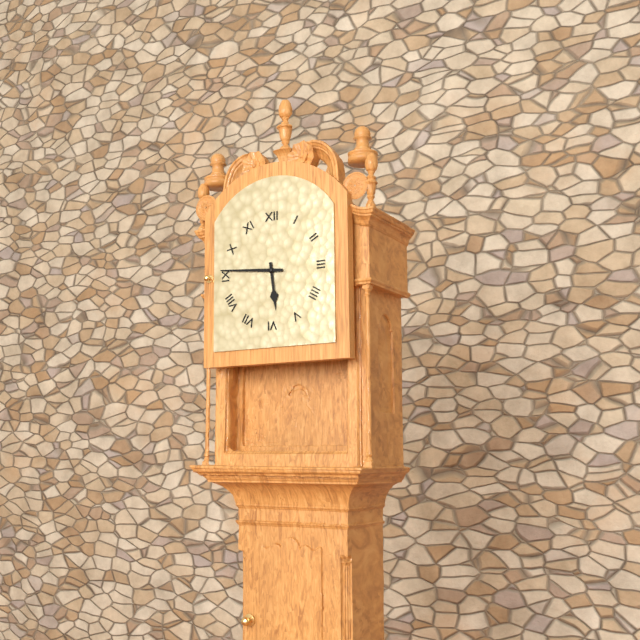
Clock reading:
5.46
